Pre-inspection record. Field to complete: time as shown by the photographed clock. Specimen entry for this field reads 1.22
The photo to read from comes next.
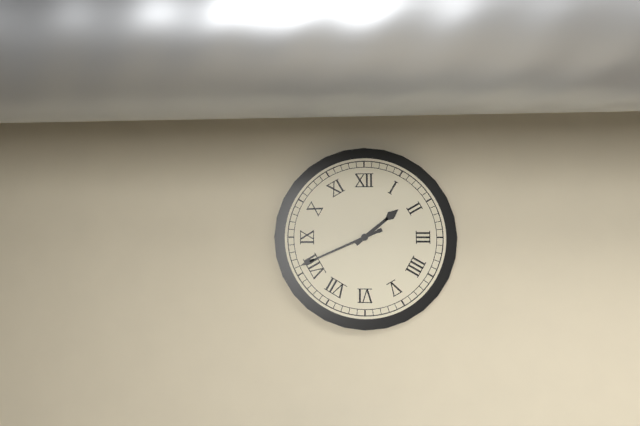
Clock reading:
1.41
